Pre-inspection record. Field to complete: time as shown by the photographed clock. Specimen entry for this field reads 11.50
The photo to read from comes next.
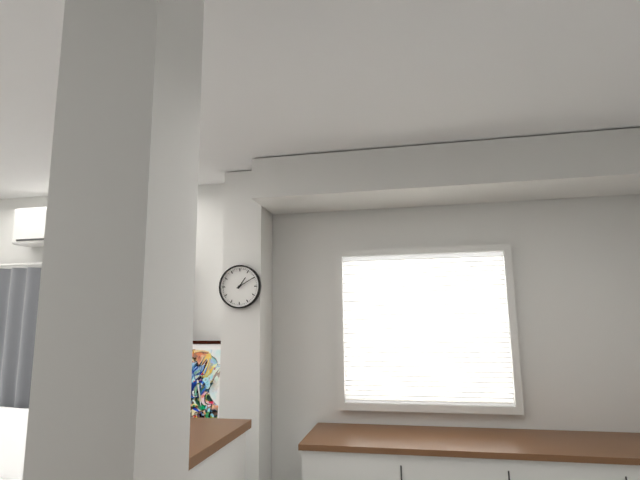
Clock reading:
1.10
